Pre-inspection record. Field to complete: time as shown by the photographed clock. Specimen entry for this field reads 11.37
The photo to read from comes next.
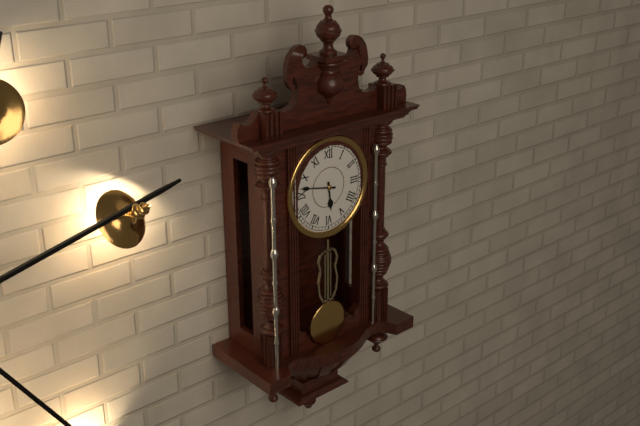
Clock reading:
5.47
